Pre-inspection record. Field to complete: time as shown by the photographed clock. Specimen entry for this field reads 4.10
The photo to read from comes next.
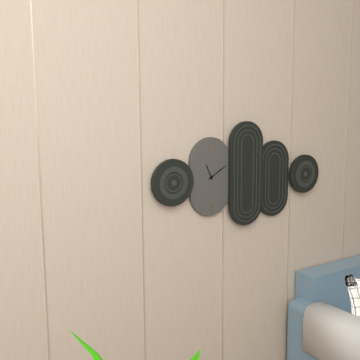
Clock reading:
11.10
